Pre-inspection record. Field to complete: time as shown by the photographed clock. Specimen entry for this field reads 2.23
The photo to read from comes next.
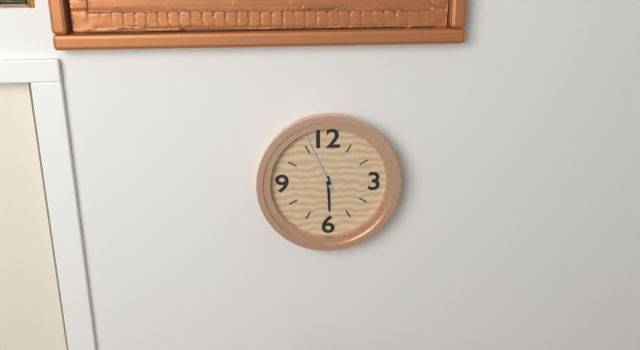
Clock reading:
5.56
